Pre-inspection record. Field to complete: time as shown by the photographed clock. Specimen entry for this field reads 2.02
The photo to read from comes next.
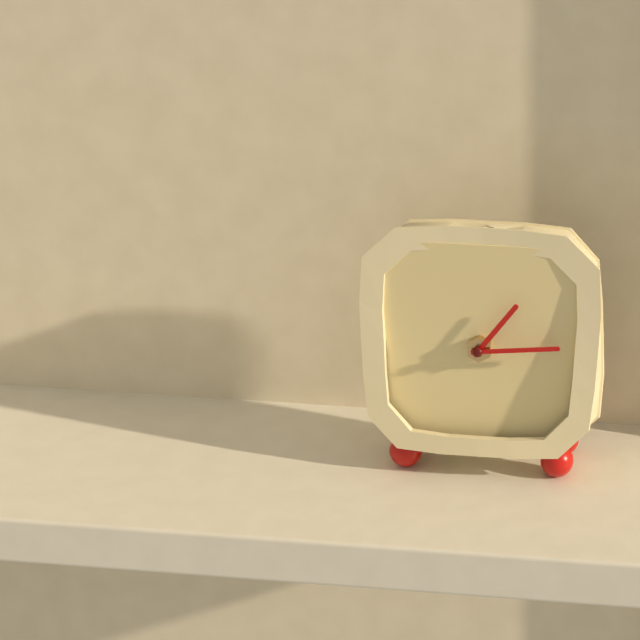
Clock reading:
1.14
